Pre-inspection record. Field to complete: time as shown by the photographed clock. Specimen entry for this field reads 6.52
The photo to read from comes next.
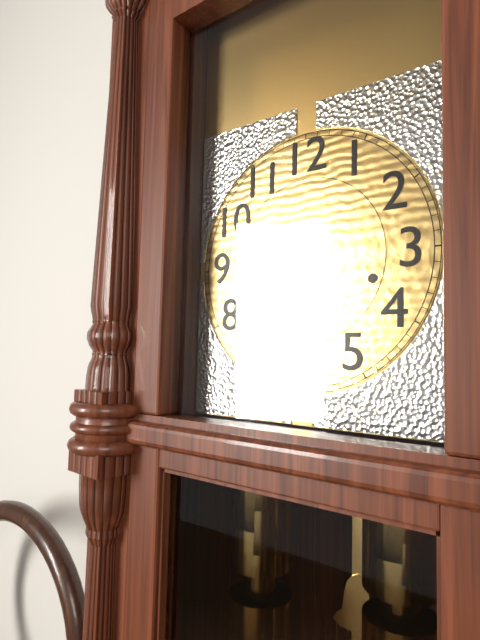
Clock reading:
8.37
